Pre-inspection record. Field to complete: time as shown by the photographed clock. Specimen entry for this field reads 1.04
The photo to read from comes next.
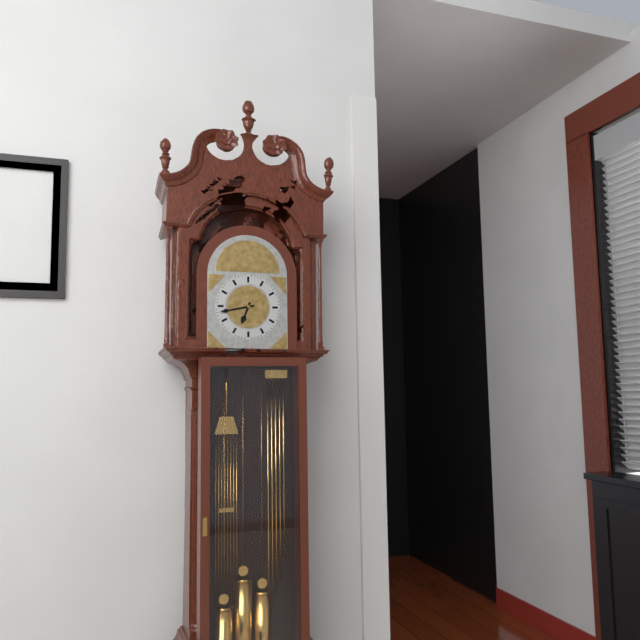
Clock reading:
6.43
